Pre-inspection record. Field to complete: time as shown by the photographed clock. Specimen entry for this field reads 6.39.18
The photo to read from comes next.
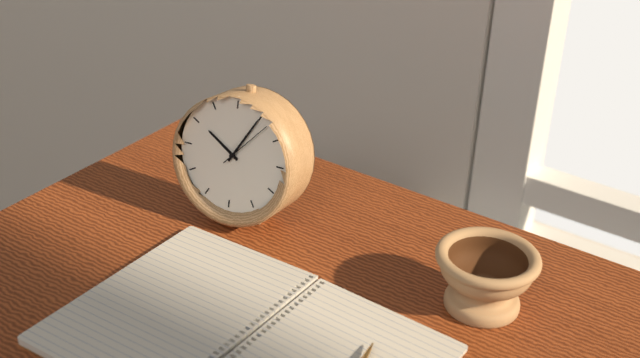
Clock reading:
10.05.07
